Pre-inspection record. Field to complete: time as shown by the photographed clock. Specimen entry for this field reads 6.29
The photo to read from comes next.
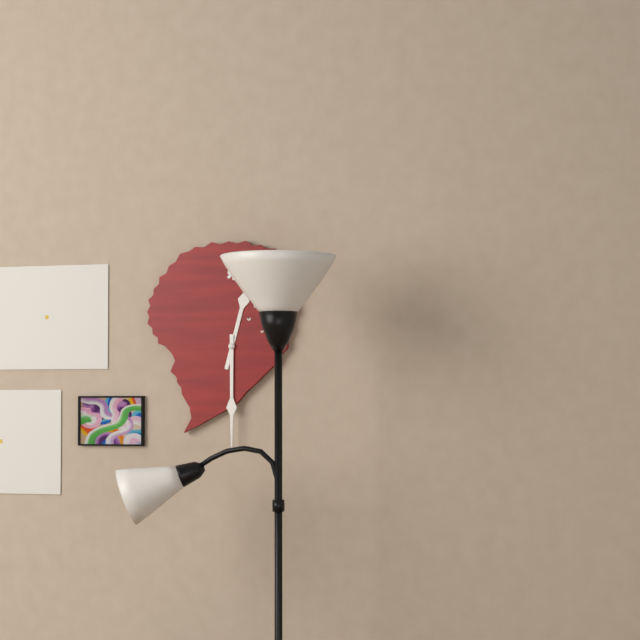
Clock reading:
12.30
